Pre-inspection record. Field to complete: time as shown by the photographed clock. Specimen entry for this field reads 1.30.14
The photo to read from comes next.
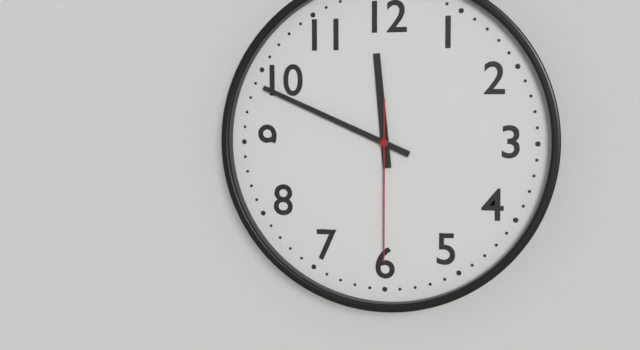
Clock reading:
11.49.30
